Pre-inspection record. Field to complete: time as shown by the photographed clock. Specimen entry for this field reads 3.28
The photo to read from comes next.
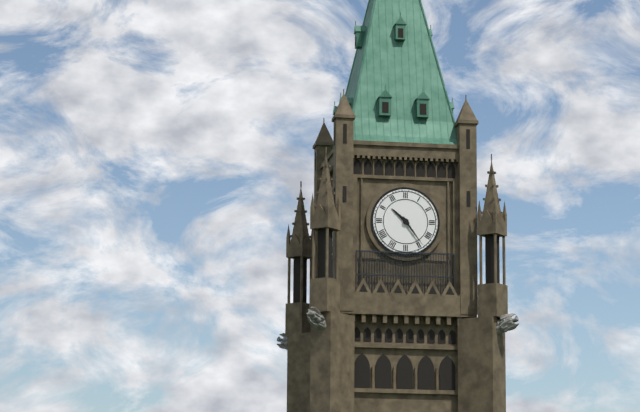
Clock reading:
10.24
